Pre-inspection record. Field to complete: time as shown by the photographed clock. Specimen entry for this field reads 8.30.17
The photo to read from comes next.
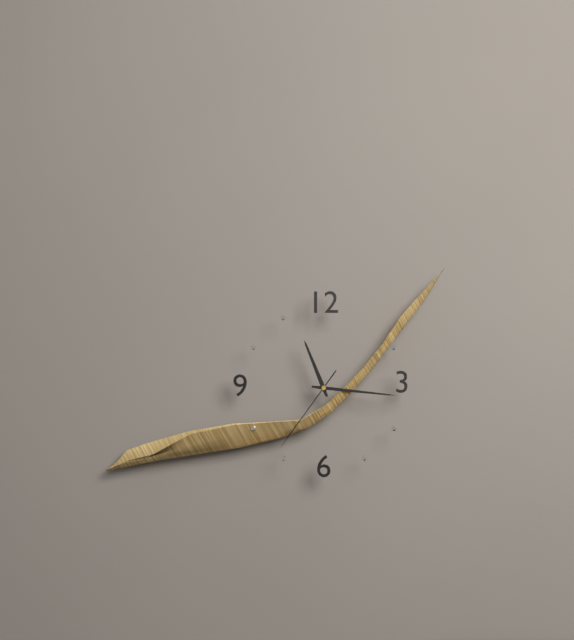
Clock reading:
11.16.36
